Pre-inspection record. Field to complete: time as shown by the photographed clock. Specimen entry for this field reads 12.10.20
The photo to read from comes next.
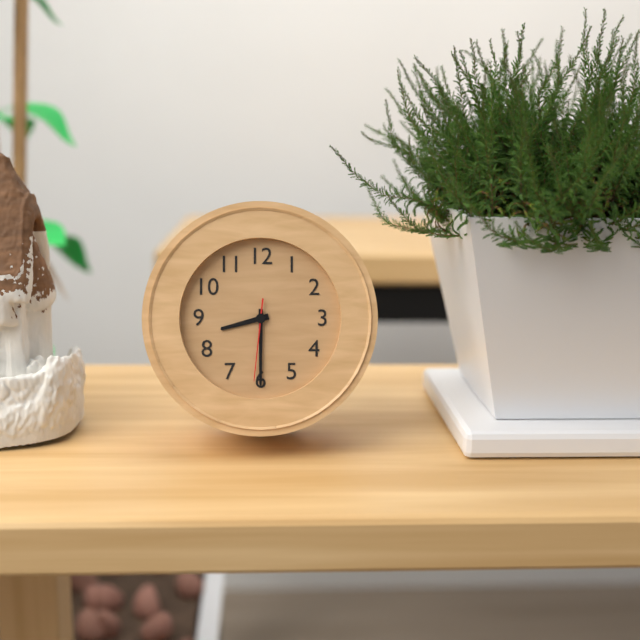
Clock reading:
8.30.31
